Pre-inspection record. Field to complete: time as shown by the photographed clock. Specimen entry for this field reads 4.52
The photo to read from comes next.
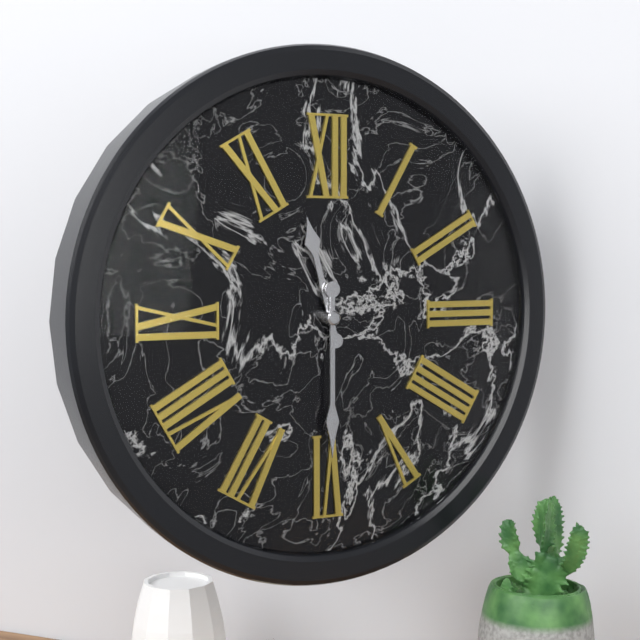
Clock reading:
11.30
